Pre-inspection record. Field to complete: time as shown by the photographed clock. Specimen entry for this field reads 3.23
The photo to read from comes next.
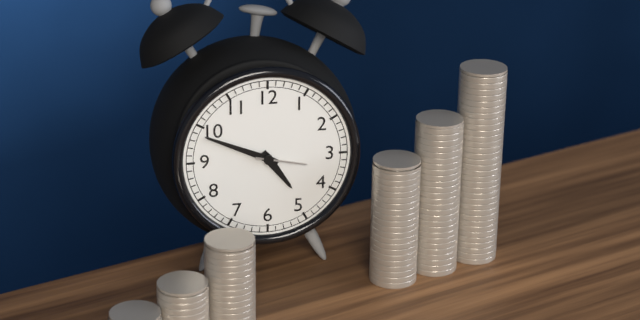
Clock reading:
4.49
